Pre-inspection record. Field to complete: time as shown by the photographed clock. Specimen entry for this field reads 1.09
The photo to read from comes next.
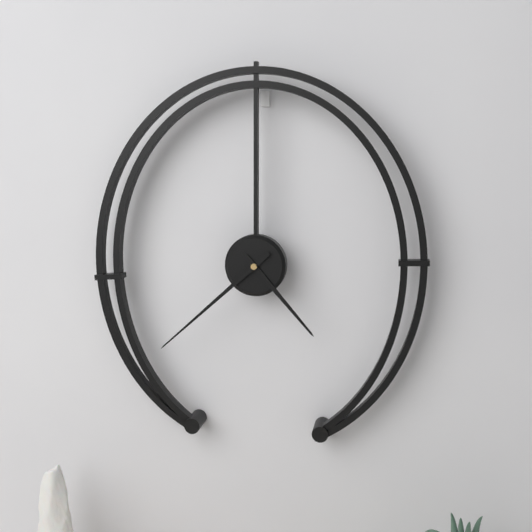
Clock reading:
4.38
